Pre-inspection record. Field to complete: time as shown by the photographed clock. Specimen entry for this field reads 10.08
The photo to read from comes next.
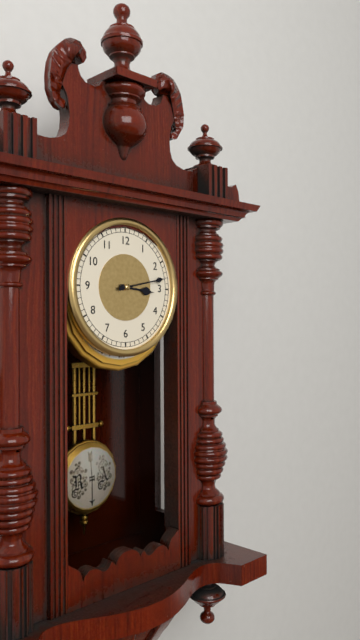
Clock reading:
3.13
